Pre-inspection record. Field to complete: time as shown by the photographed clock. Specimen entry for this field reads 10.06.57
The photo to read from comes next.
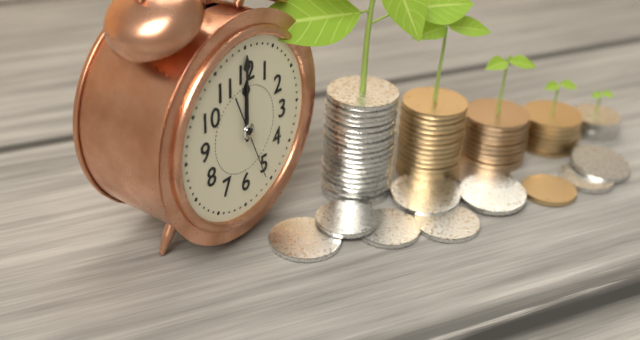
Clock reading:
12.00.26
